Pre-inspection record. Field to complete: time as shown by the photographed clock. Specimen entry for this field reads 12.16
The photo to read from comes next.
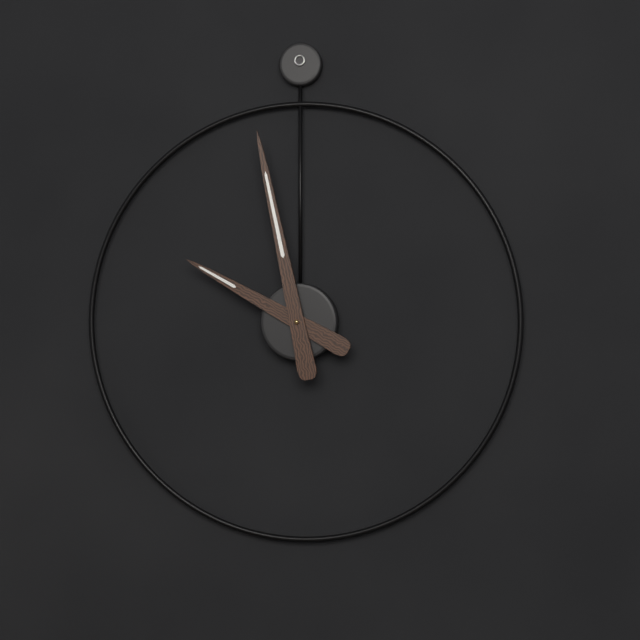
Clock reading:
9.58
